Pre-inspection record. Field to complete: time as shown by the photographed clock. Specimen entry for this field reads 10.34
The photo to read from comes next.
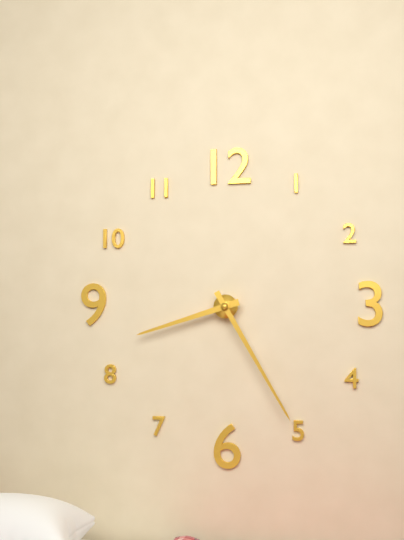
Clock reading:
8.25
